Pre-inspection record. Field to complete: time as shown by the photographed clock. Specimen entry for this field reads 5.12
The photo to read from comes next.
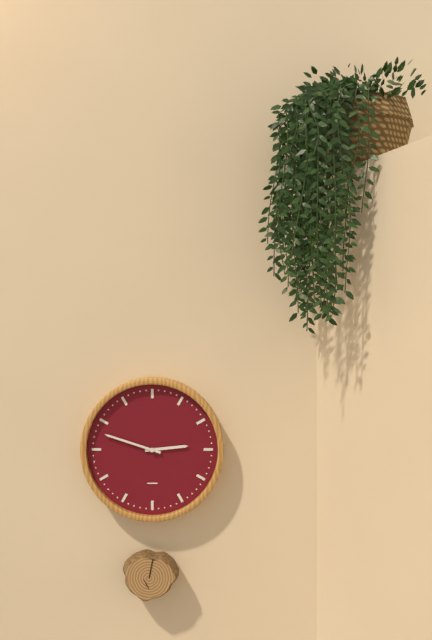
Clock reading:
2.48
